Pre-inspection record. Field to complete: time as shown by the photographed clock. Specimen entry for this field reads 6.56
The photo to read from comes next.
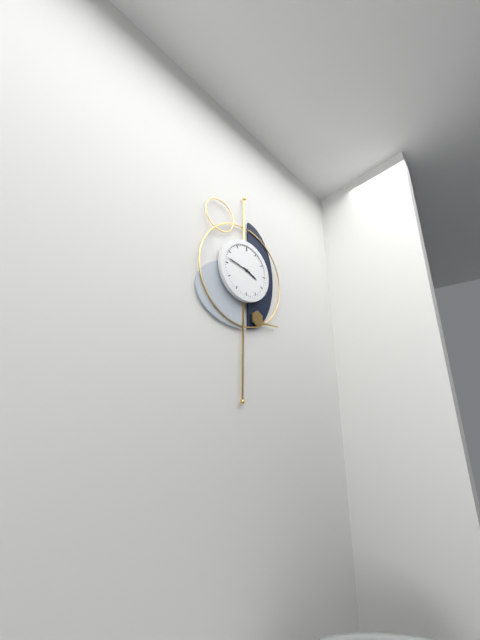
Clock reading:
3.47
